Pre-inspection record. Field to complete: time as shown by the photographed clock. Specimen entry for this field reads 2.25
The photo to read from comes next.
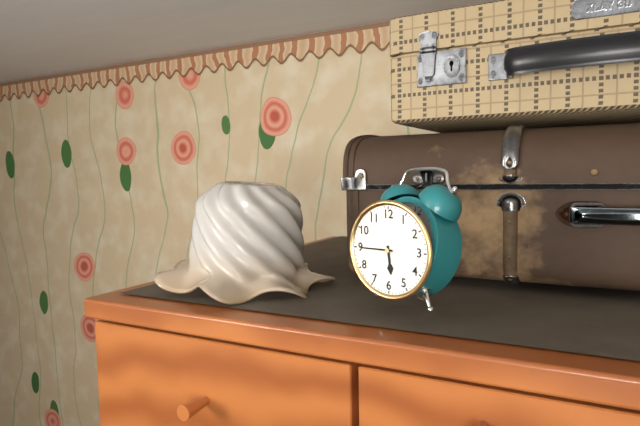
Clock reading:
5.45
